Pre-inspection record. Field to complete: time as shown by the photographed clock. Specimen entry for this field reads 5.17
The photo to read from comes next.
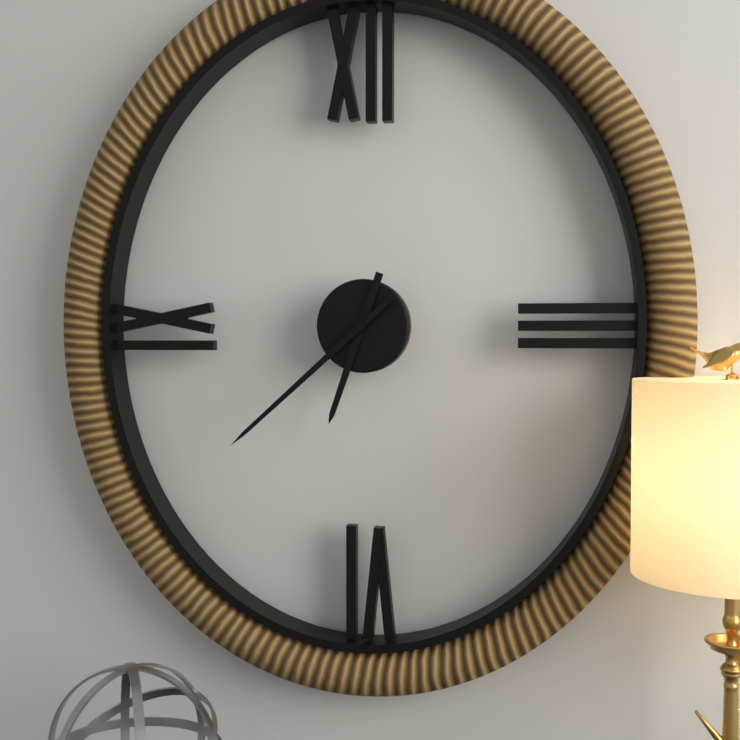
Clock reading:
6.38
